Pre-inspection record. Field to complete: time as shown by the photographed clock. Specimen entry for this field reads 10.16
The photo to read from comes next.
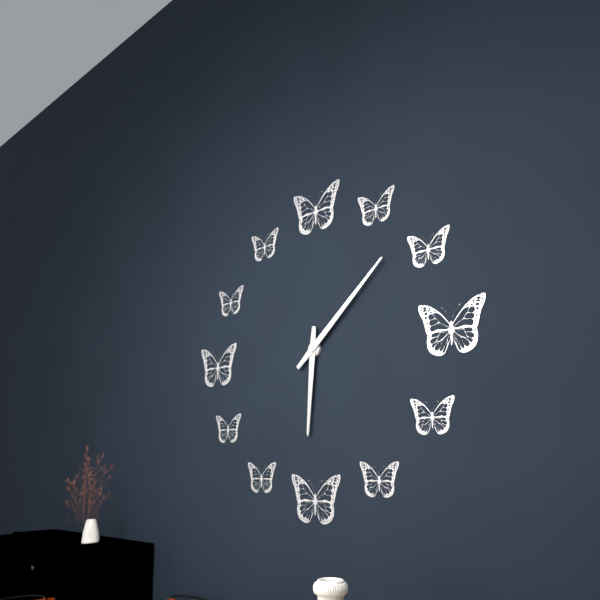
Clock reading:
6.08
